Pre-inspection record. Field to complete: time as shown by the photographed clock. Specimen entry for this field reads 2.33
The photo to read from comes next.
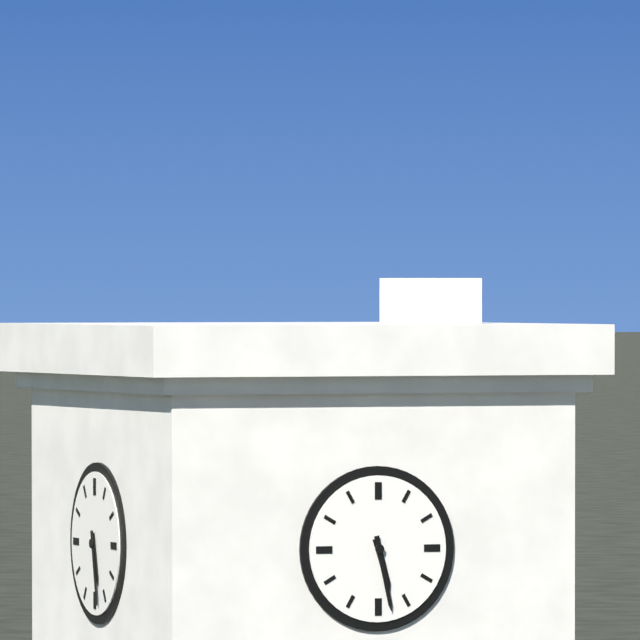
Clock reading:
5.28
